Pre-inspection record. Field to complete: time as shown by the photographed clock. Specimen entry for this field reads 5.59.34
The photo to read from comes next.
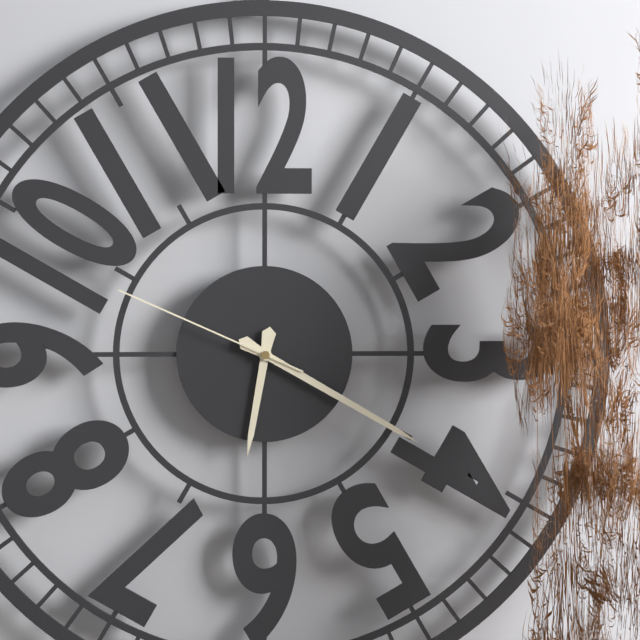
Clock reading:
6.20.49
